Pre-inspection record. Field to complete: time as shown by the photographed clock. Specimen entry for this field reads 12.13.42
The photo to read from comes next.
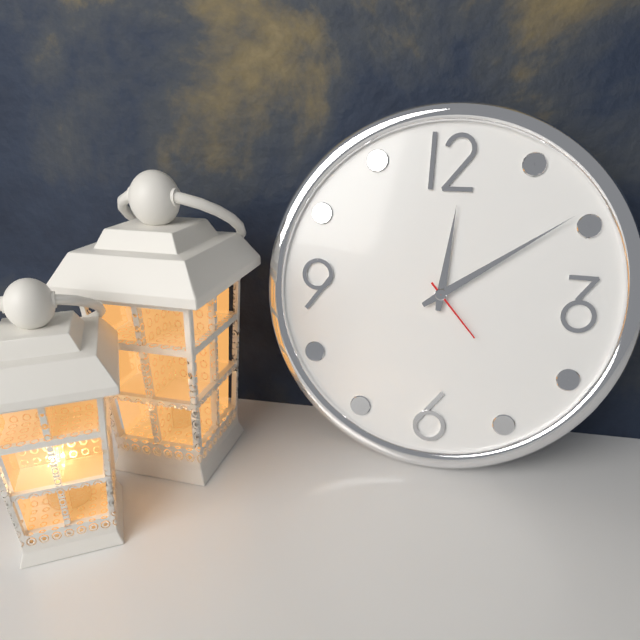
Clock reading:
12.09.23
